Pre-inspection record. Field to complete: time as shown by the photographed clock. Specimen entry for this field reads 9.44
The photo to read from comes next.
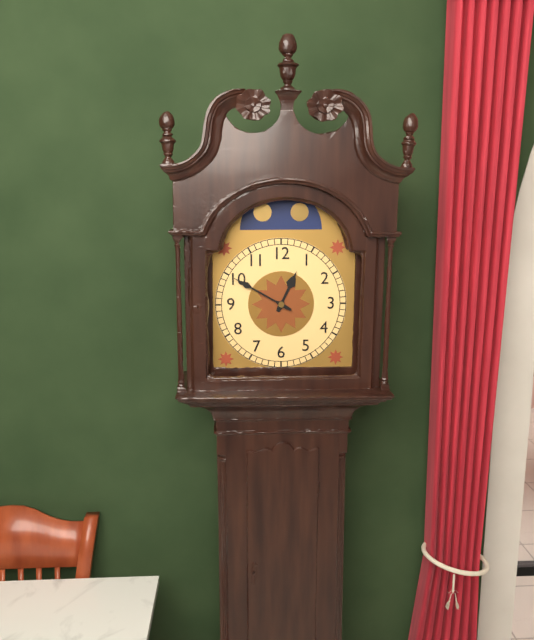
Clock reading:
12.50
